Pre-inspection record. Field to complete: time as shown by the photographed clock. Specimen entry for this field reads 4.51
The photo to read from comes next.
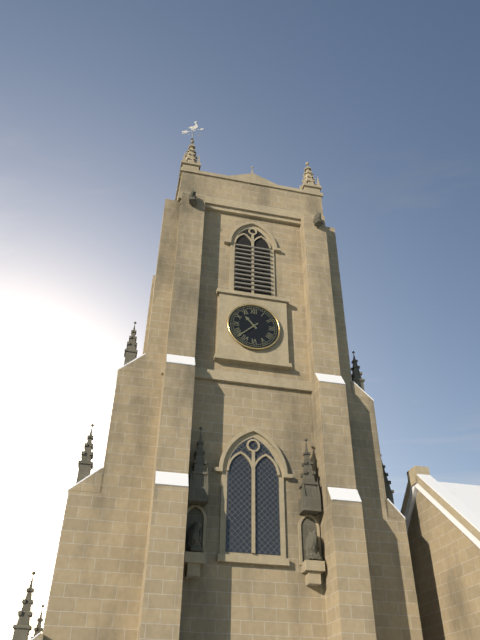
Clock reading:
10.38
